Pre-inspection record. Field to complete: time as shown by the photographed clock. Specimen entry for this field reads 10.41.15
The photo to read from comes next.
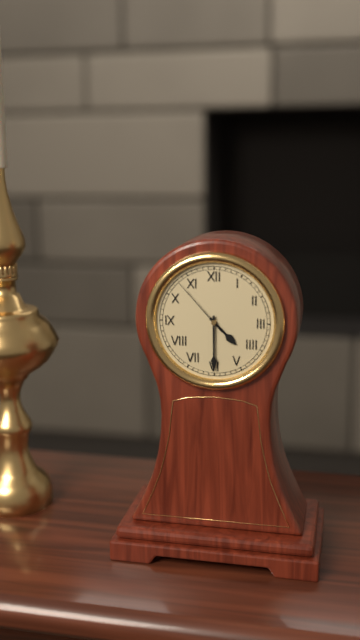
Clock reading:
4.30.53
